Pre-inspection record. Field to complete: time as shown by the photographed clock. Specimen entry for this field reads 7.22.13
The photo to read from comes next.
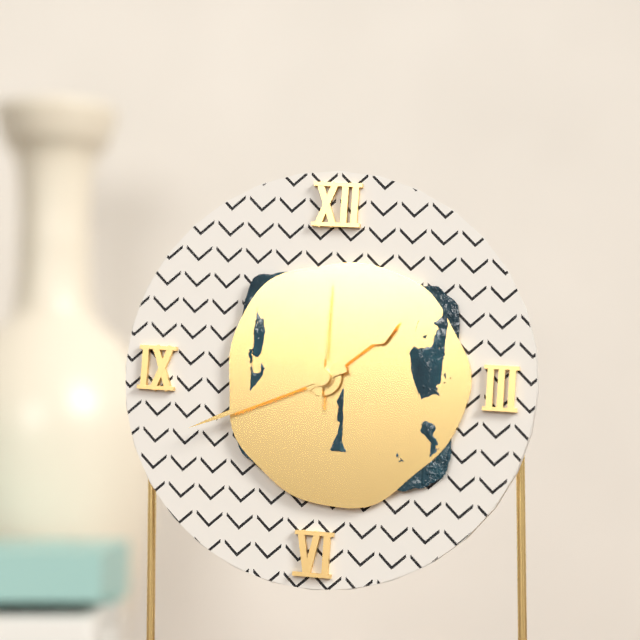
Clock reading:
1.41.00
